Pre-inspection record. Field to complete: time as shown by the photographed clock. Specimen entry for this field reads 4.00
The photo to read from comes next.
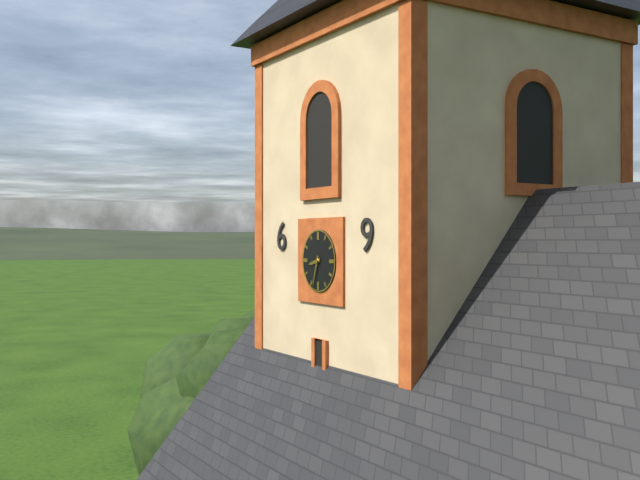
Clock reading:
8.33
